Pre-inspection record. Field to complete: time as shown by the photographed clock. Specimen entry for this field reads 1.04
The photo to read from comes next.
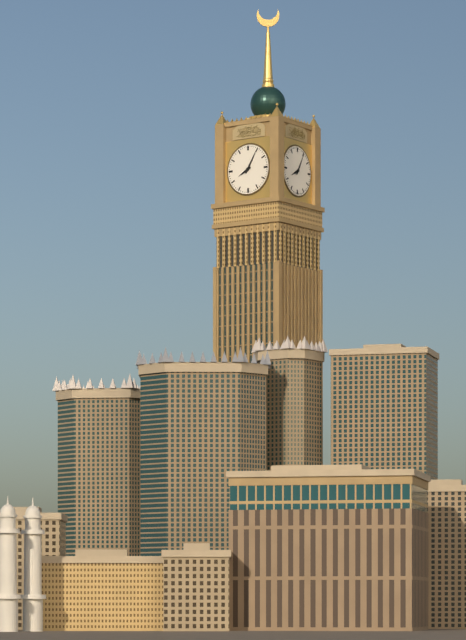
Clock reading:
8.05
